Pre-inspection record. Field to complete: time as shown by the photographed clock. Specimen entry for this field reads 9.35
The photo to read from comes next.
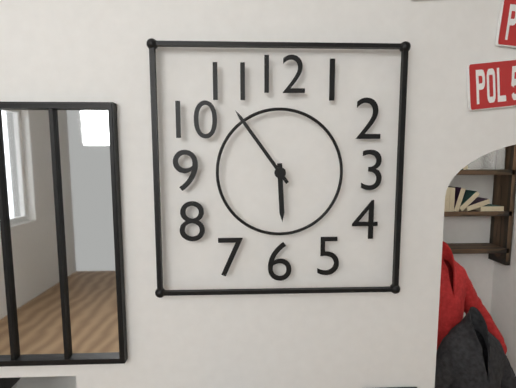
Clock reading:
5.54
